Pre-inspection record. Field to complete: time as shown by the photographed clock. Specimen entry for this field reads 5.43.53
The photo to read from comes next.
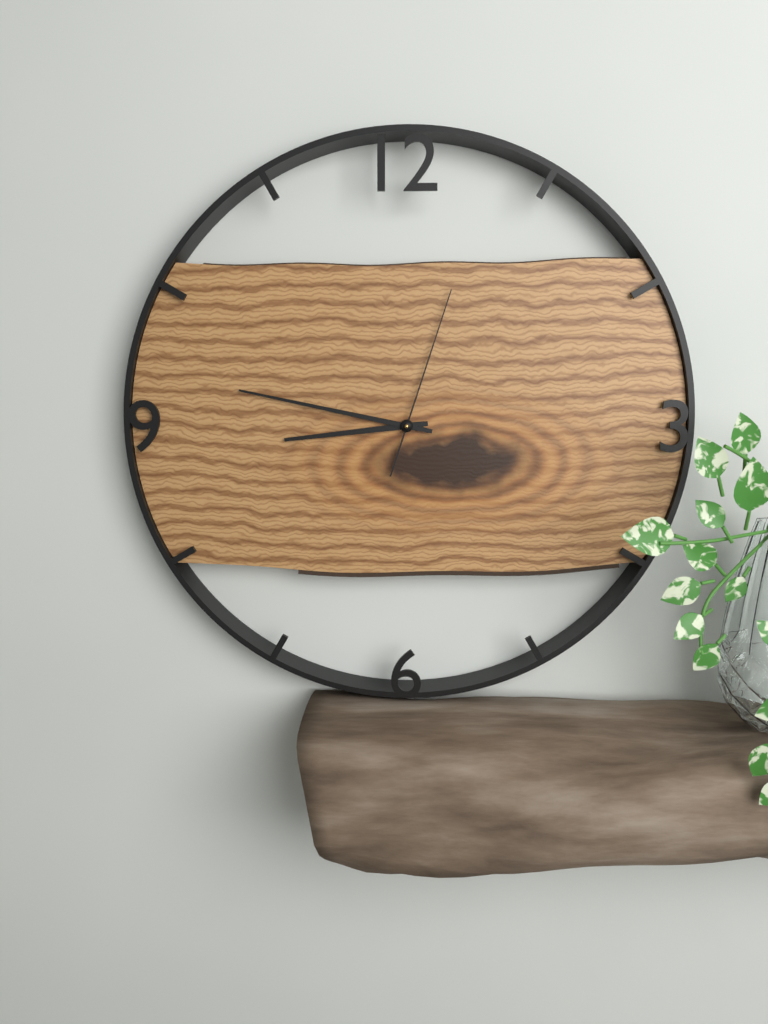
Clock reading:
8.47.03
